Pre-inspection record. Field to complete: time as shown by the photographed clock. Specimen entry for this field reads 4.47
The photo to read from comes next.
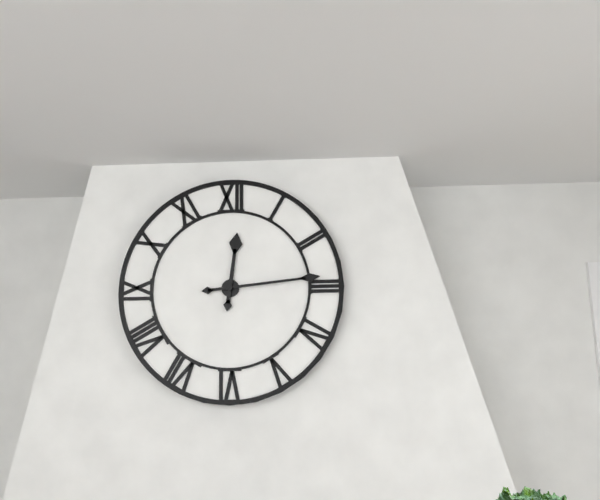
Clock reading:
12.14
